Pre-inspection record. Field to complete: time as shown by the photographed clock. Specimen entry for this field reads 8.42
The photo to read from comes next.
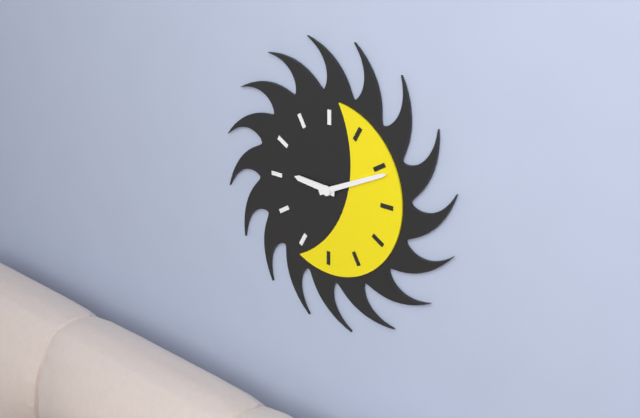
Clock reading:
9.11
